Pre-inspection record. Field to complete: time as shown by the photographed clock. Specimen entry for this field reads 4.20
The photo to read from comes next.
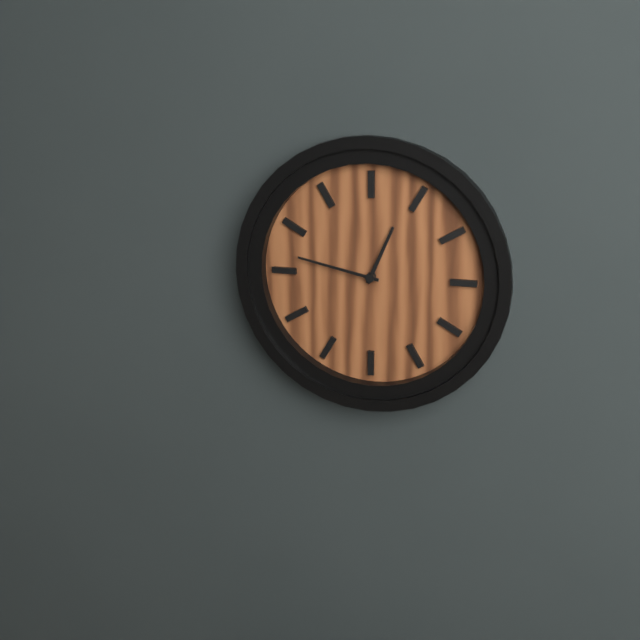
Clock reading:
12.47
